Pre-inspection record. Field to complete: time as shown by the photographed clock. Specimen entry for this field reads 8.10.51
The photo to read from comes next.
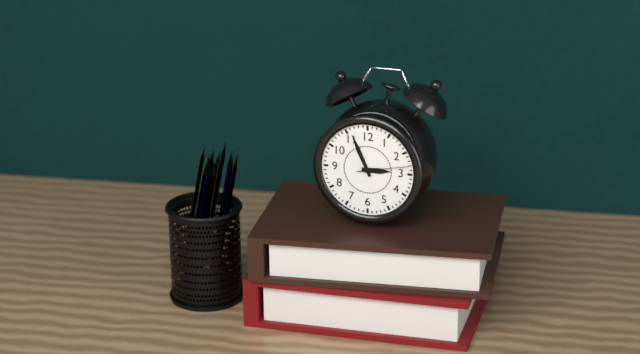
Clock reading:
2.56.13
